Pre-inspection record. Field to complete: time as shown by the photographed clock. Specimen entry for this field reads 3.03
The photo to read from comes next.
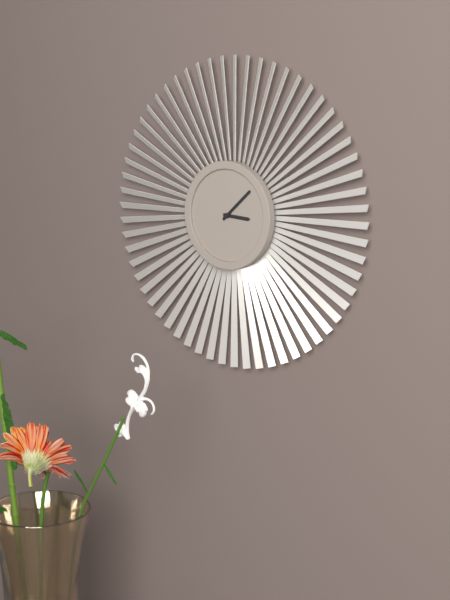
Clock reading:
3.08
